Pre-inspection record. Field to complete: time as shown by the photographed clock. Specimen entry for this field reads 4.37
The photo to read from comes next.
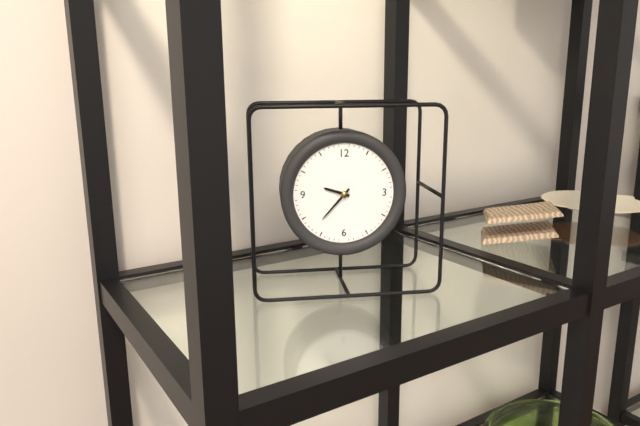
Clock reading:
9.37
